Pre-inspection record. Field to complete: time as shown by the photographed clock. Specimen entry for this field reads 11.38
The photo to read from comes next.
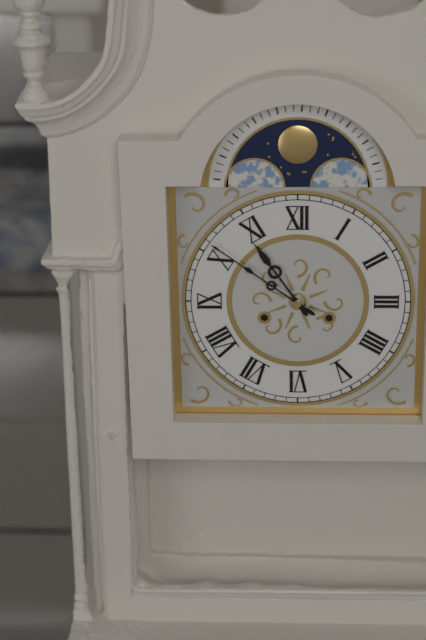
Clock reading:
10.51
